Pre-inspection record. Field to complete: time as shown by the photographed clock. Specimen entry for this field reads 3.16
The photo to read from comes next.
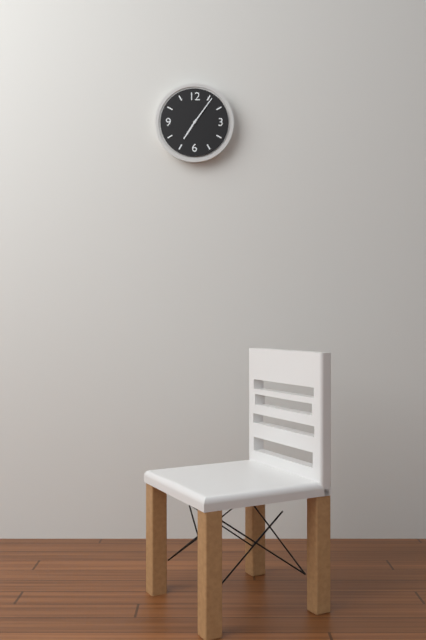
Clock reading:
7.06
